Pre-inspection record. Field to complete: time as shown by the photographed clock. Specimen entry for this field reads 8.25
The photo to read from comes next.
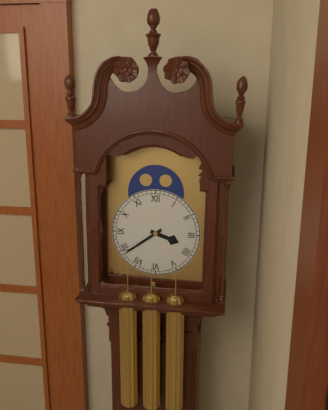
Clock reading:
3.39
